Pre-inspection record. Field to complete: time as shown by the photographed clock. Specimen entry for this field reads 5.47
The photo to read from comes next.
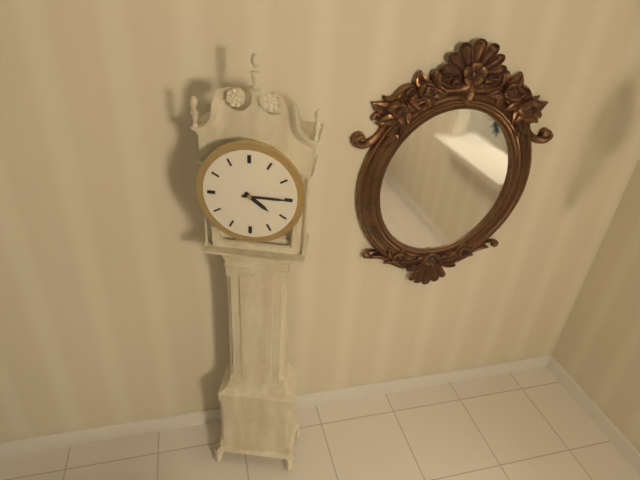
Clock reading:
4.15
